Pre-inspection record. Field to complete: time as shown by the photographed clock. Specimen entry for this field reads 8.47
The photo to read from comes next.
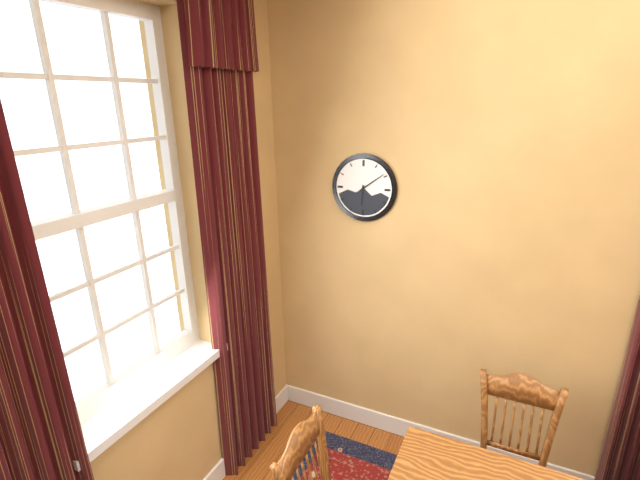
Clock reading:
6.09
